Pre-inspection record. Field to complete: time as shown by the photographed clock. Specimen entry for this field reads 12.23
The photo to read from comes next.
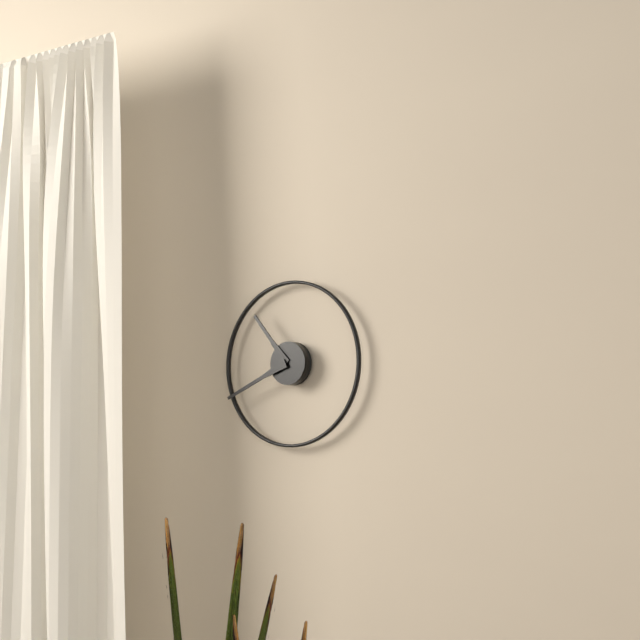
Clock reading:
10.41
